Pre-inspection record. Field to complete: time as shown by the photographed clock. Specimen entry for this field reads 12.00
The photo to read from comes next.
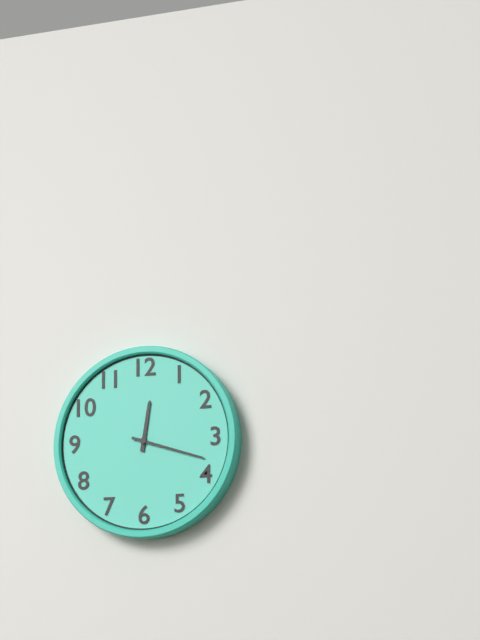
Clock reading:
12.18
